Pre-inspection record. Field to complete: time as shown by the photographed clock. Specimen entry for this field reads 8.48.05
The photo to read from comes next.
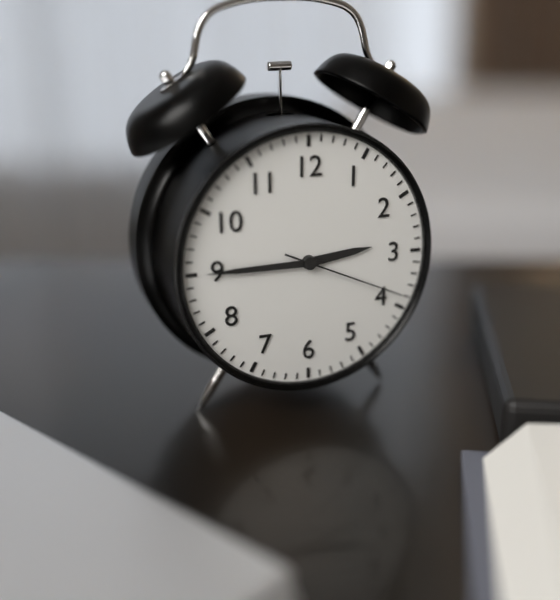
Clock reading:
2.45.19
